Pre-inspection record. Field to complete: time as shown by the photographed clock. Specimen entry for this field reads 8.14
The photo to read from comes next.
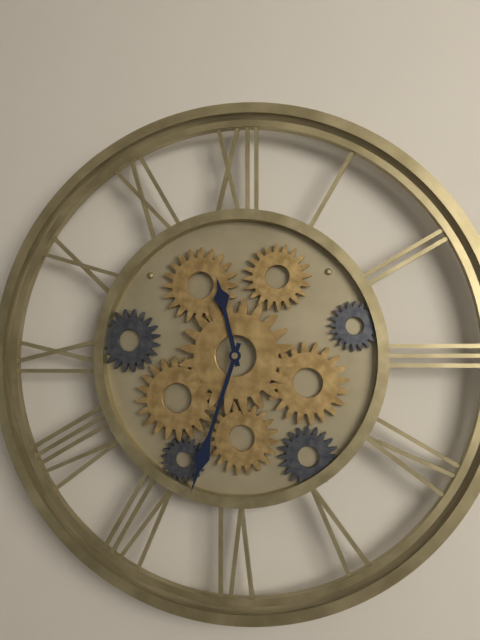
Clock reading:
11.33
